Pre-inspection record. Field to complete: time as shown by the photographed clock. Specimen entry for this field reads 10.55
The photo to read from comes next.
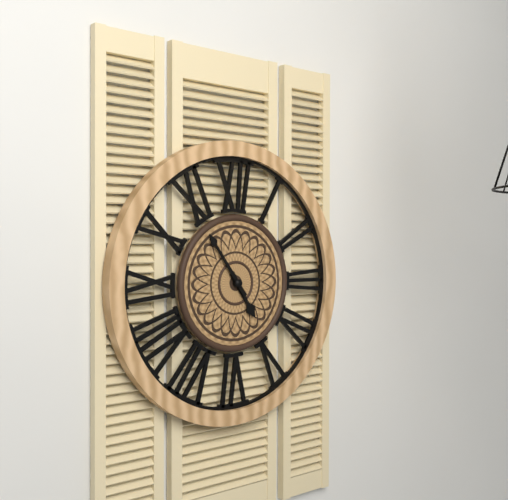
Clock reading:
4.54
